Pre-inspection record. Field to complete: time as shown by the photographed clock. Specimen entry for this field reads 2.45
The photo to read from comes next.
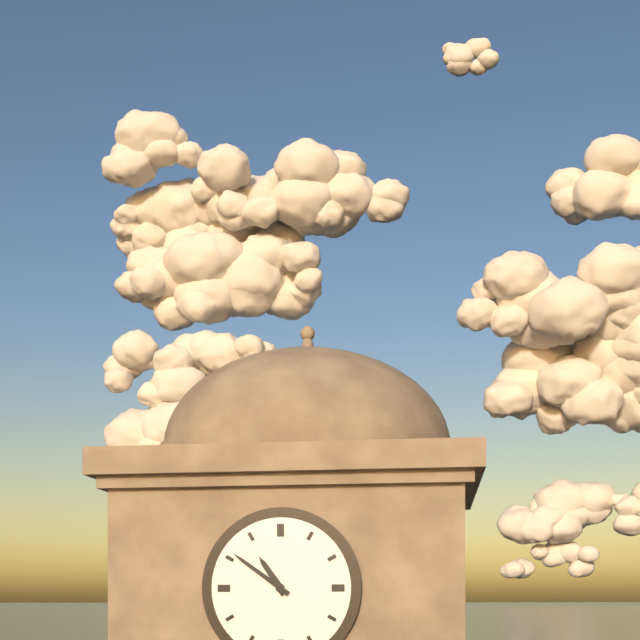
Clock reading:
10.51
